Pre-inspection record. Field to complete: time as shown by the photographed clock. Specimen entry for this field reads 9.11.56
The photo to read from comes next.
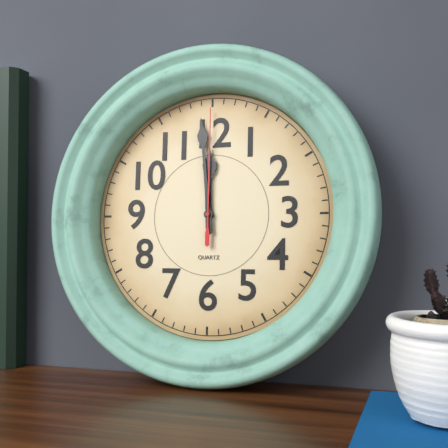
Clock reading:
11.59.00
